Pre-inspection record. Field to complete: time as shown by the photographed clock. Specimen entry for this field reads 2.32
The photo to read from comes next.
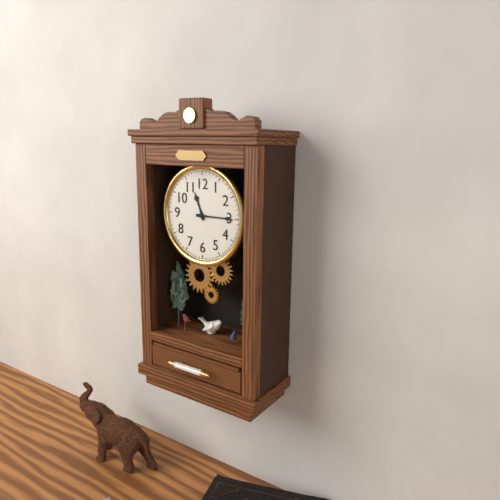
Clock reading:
11.15
